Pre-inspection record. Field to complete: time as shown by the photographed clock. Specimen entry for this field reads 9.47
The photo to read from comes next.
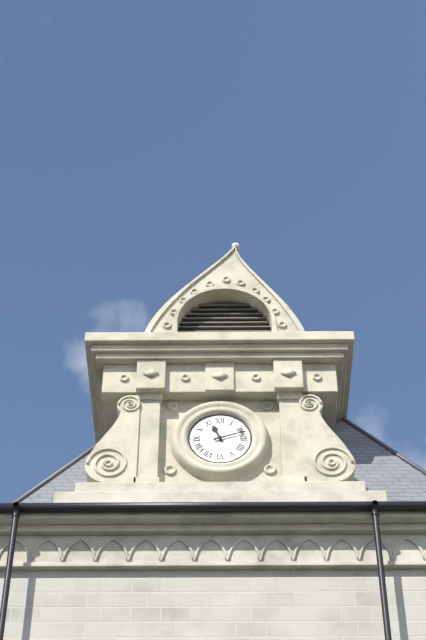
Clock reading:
11.12
